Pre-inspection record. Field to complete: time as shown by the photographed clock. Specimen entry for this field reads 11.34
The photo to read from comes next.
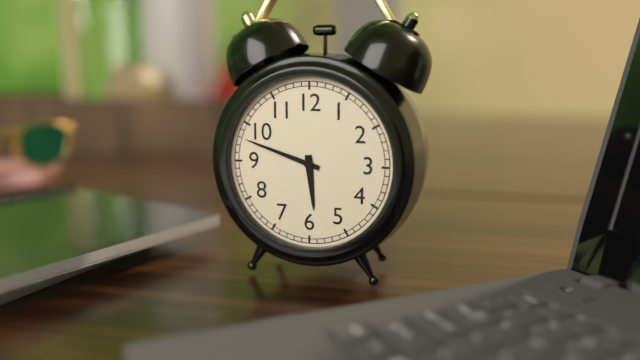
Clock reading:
5.48
